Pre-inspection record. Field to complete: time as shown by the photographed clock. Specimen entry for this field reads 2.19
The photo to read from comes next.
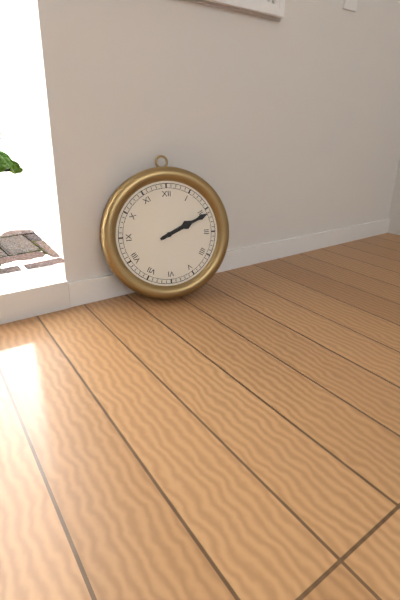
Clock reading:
2.11
